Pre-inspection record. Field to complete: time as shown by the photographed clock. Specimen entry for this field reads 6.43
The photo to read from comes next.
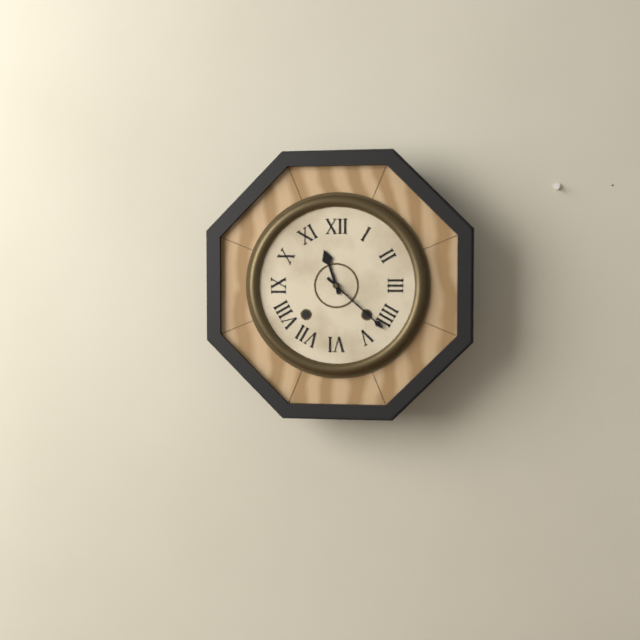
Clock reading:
11.22
